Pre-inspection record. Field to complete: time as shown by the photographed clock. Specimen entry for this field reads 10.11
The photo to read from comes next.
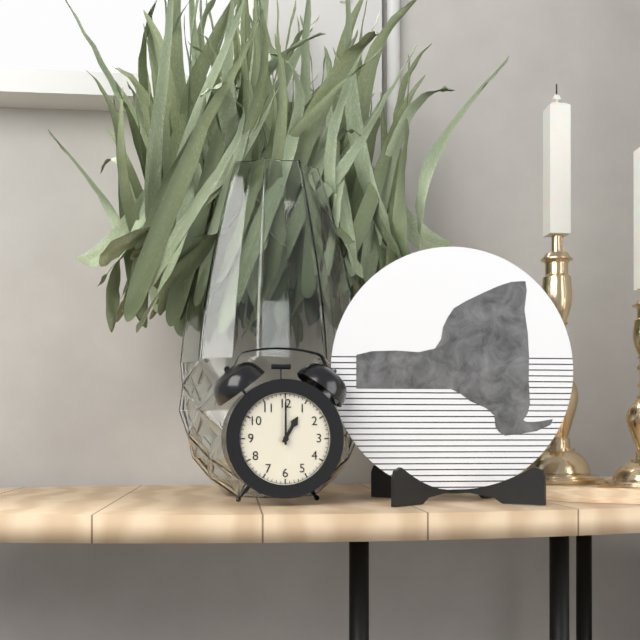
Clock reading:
1.00
